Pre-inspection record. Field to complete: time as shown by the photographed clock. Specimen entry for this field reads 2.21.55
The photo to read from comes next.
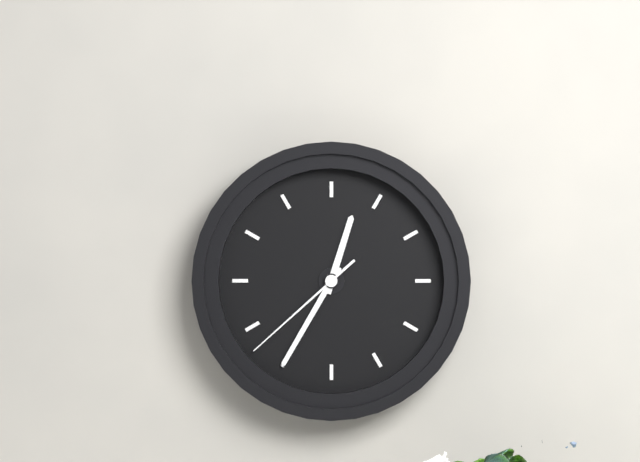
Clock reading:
12.35.38
